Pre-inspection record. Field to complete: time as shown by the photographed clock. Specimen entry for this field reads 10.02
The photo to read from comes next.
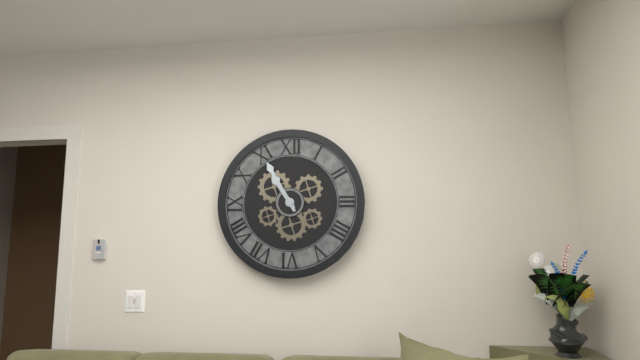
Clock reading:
10.55
